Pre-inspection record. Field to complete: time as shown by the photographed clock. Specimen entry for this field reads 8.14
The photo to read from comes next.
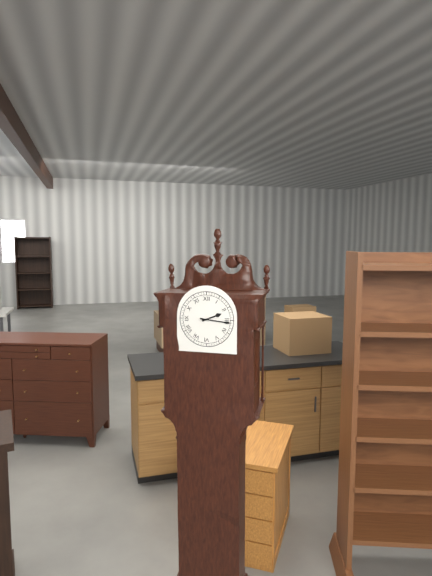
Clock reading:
2.16
